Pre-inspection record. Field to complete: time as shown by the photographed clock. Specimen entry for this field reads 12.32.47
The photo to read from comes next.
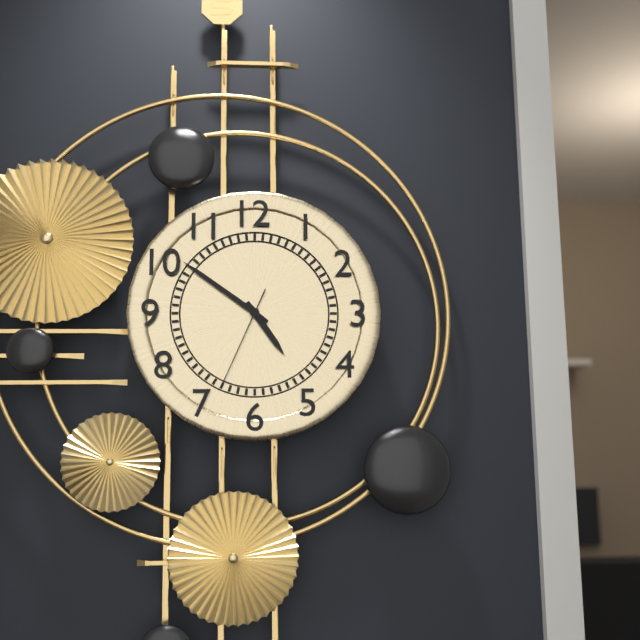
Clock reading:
4.51.34
